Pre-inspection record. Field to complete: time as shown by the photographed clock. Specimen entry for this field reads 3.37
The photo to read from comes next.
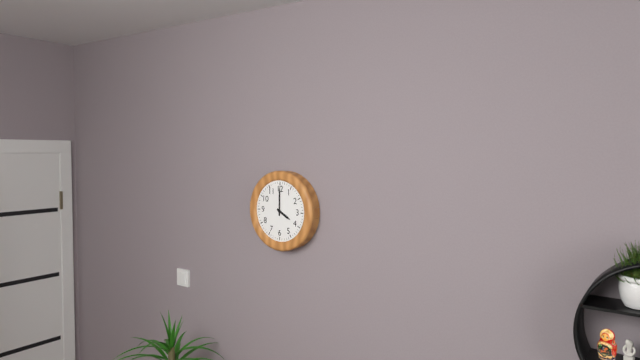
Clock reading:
4.00
